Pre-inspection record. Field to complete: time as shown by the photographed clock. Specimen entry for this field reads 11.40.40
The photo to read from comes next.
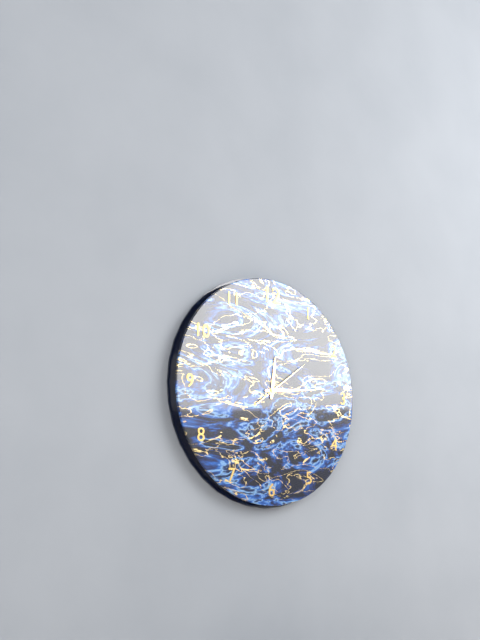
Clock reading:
12.14.09
